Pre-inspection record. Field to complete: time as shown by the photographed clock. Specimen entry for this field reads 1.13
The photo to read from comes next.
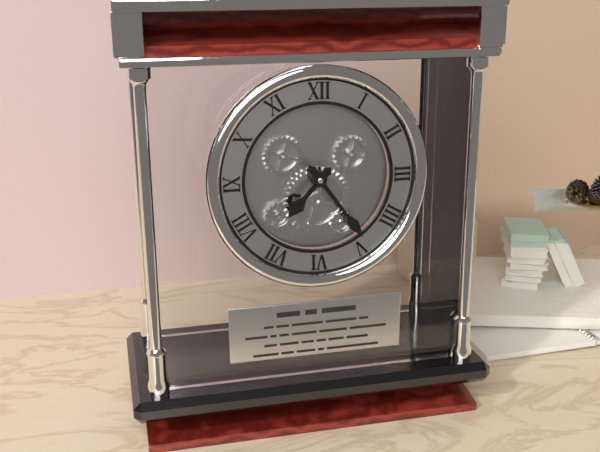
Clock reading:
7.24
